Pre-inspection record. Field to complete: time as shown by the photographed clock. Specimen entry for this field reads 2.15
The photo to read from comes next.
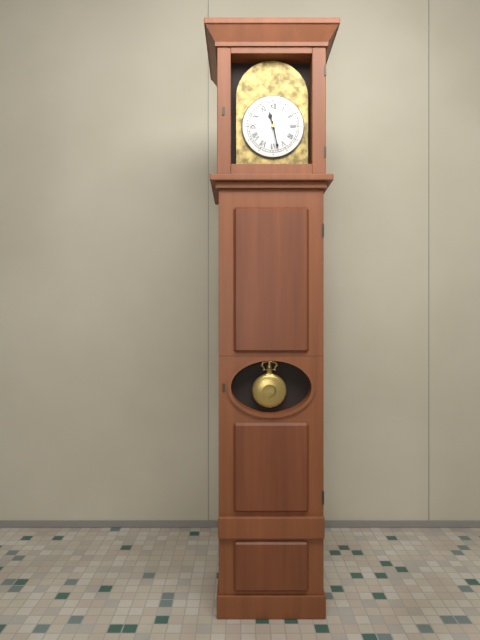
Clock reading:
11.28
